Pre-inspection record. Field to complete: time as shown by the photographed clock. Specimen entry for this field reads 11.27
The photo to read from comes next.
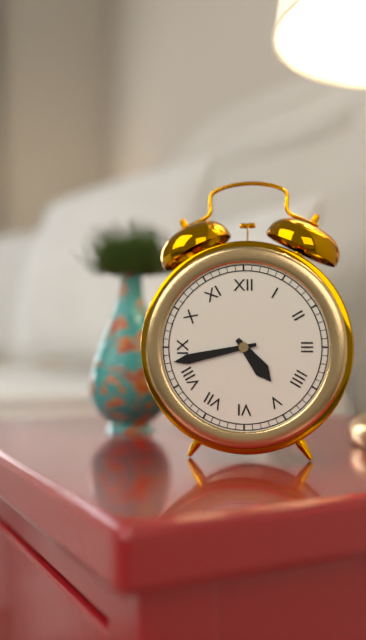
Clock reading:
4.43
